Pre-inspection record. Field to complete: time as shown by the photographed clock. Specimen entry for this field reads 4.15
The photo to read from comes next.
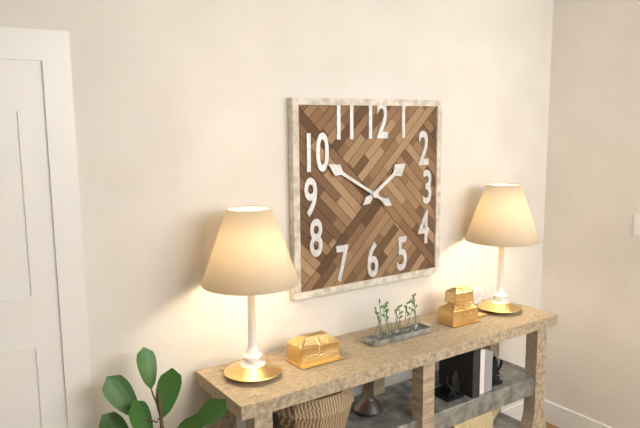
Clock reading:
1.50
